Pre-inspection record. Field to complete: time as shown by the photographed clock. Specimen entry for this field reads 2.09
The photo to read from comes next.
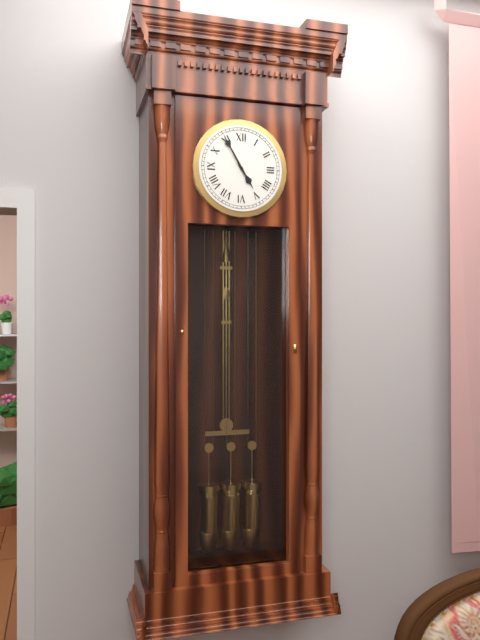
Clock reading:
4.55
